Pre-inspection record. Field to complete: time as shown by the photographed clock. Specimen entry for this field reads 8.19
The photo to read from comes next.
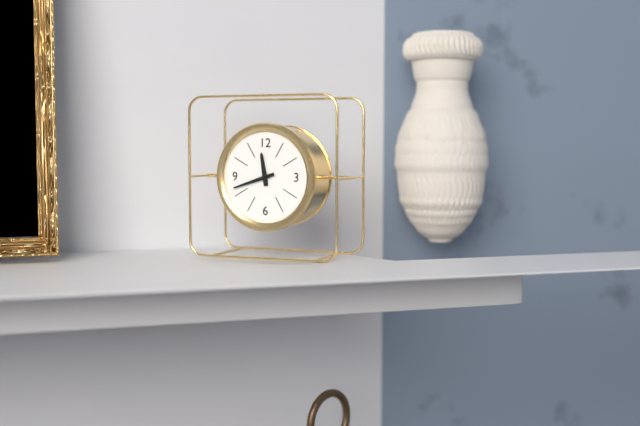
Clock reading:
11.42
